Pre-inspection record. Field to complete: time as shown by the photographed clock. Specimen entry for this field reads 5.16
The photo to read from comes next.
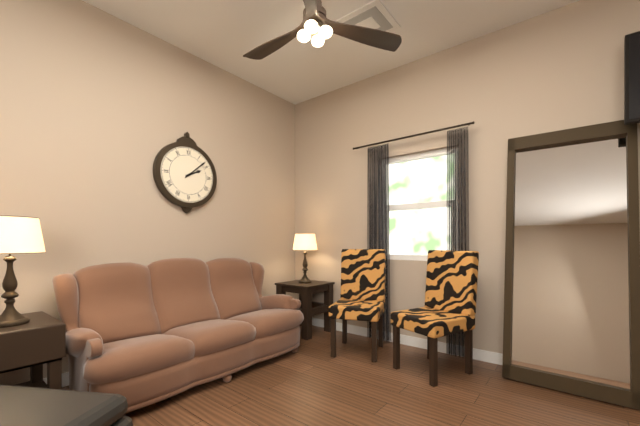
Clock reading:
2.08
